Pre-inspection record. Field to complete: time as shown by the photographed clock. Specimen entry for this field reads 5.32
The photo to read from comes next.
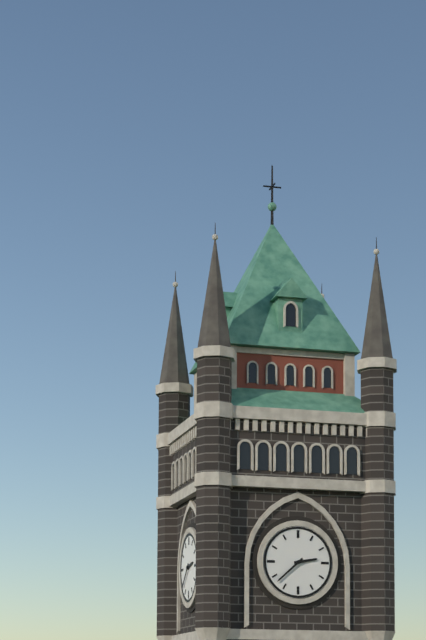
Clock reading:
2.38
